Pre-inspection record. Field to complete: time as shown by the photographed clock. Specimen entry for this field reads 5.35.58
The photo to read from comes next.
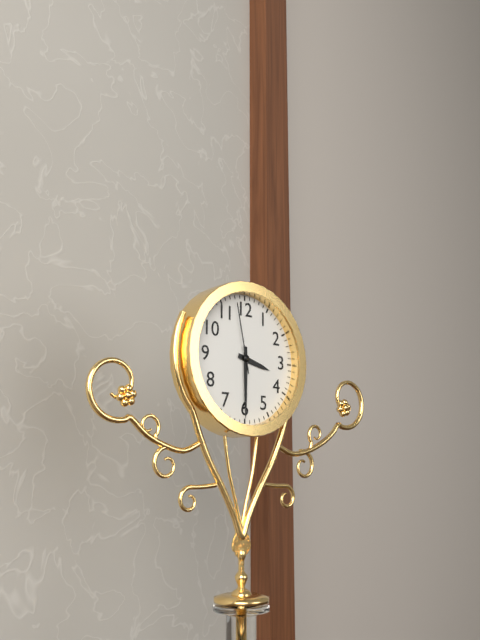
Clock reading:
3.30.58
